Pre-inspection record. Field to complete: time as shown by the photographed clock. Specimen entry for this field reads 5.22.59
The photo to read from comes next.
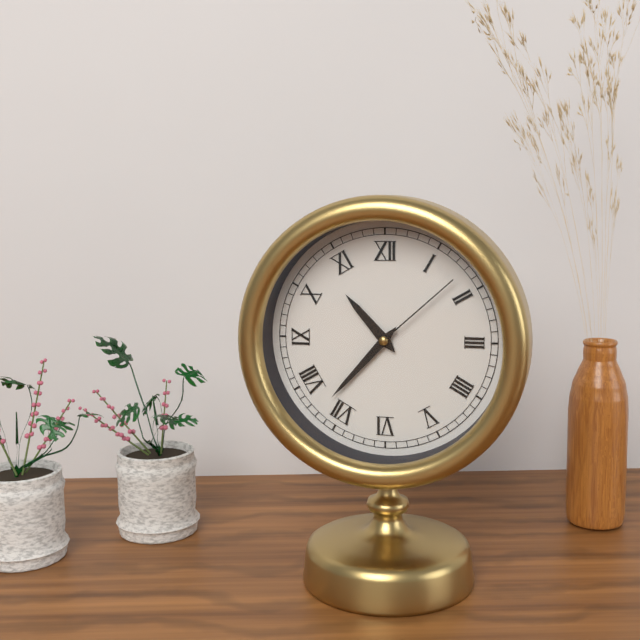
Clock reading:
10.37.08
